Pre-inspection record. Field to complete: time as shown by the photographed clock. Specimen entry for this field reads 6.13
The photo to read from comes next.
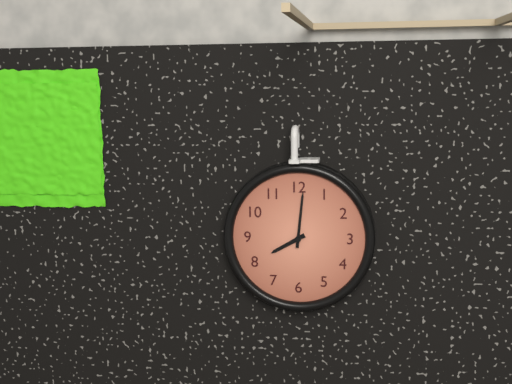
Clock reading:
8.01
